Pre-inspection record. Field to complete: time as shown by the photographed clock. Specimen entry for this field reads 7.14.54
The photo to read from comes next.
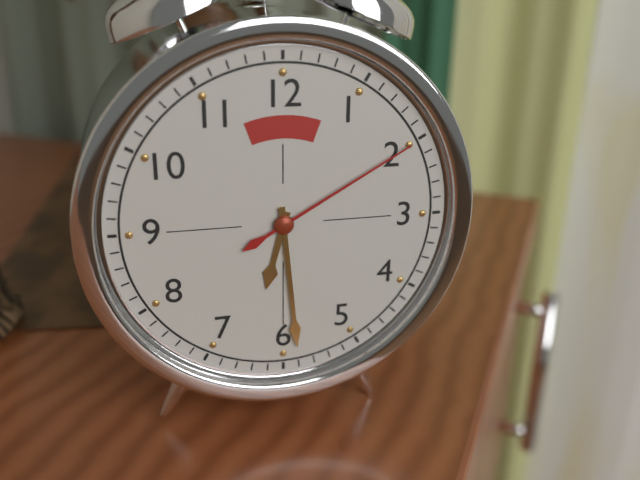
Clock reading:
6.29.10
